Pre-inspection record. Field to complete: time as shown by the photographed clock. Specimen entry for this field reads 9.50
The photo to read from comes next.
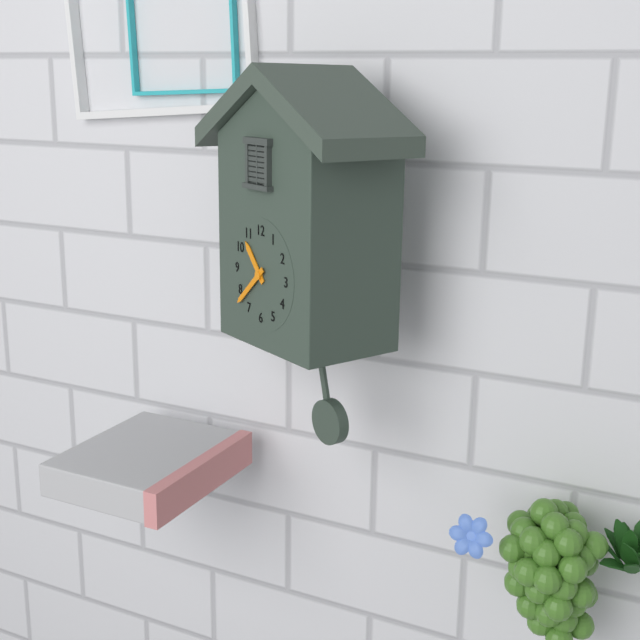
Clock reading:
10.38
